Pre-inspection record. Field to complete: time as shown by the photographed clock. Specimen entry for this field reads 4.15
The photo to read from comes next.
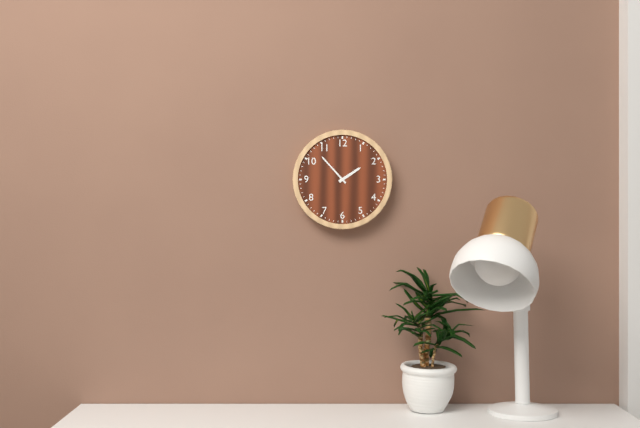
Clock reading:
1.53
